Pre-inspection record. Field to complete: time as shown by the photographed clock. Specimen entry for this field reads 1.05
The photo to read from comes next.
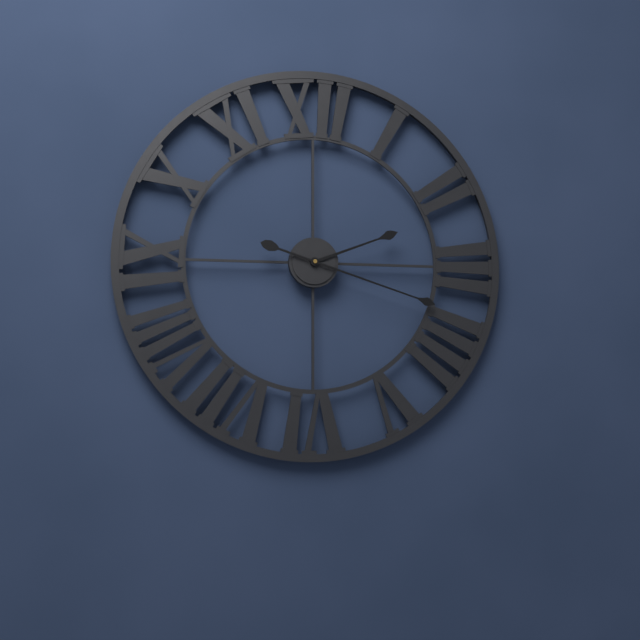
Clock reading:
2.18
